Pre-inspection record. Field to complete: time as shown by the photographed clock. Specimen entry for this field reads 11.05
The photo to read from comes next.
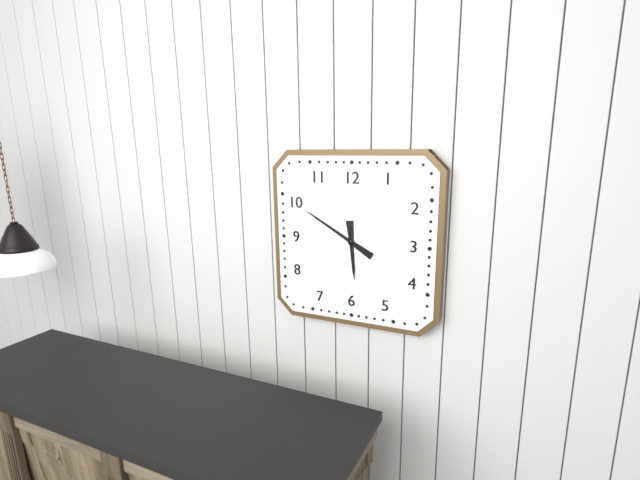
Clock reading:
5.50
